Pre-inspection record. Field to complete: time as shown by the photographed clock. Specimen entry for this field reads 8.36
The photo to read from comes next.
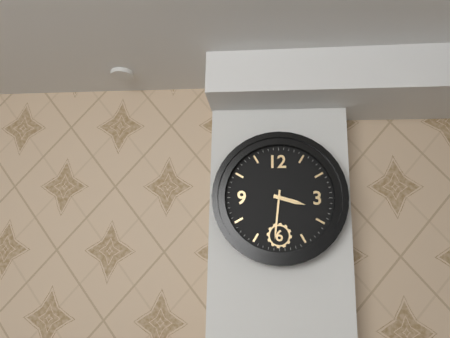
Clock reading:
3.31
